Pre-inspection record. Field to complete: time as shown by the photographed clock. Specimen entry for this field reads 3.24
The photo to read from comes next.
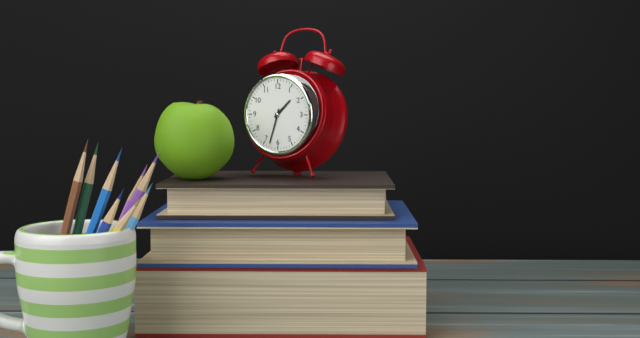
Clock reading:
1.33
